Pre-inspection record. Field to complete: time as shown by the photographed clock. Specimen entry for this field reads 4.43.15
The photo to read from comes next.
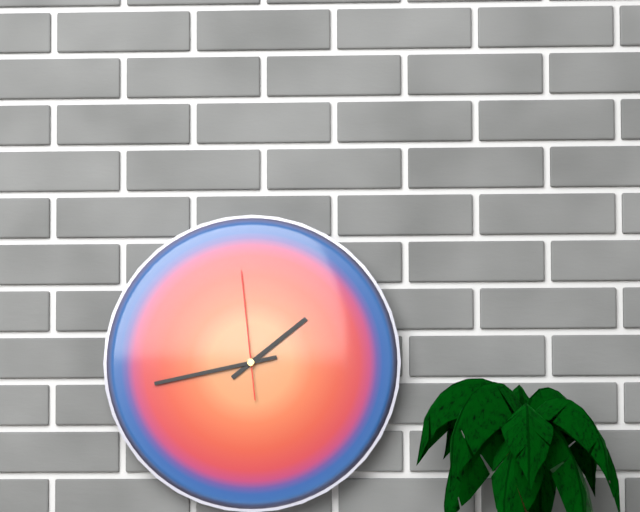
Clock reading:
1.43.59
